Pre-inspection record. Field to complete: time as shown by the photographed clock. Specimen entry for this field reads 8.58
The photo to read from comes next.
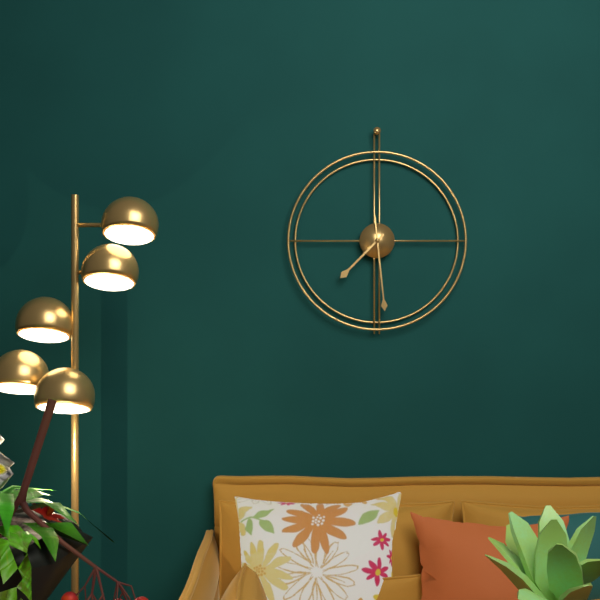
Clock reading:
7.29
